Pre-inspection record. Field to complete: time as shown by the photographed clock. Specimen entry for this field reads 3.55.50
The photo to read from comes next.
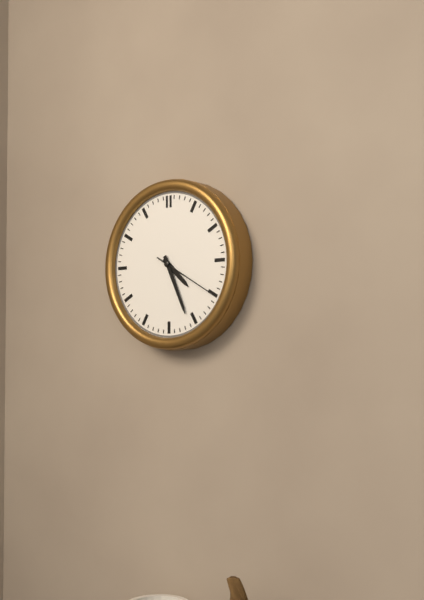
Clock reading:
4.26.20
